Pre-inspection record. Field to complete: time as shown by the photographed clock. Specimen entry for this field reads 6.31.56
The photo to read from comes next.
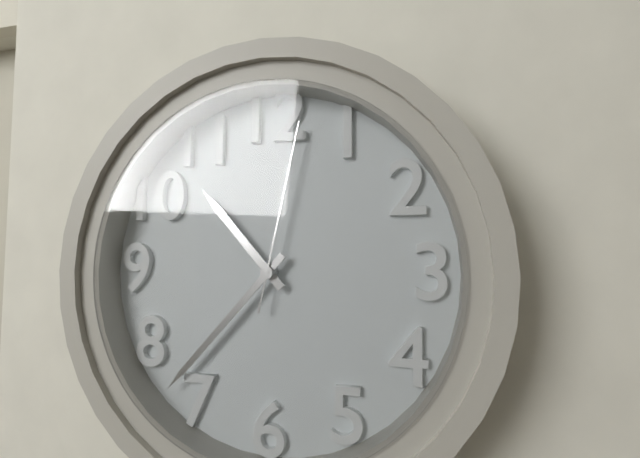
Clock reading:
10.37.02
